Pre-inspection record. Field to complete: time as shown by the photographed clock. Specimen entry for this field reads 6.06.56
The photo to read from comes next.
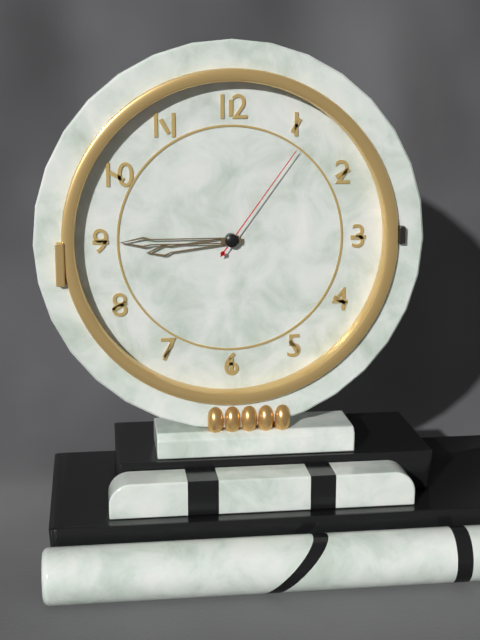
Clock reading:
8.45.06
